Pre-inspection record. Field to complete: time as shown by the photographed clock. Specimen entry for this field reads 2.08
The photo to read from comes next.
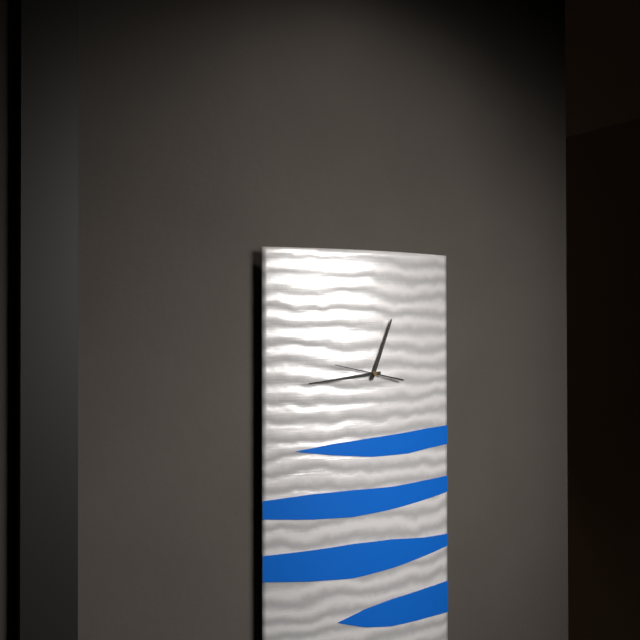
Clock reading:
12.44
